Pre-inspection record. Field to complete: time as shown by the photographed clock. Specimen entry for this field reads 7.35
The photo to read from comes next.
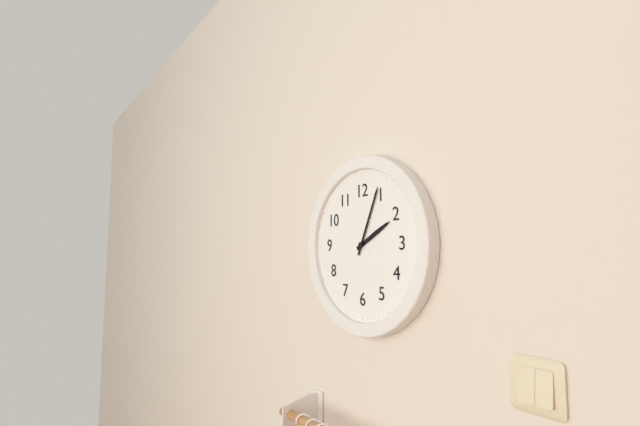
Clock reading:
2.04
